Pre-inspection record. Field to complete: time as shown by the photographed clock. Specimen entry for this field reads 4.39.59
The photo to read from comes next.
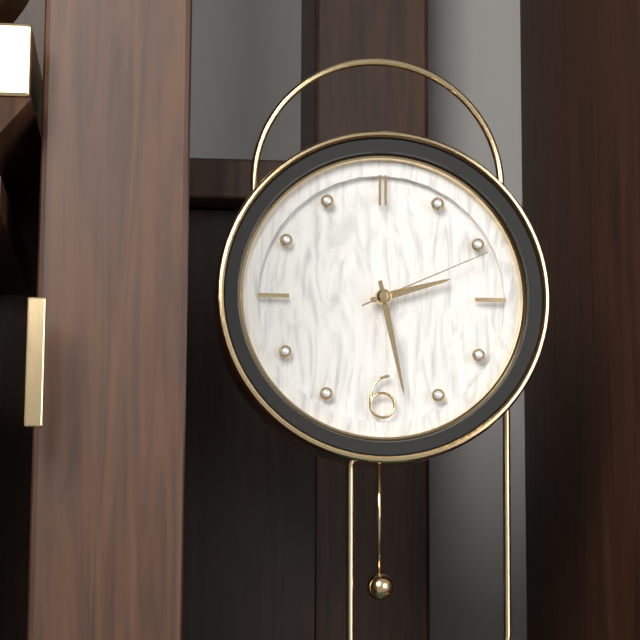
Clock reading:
2.28.11
